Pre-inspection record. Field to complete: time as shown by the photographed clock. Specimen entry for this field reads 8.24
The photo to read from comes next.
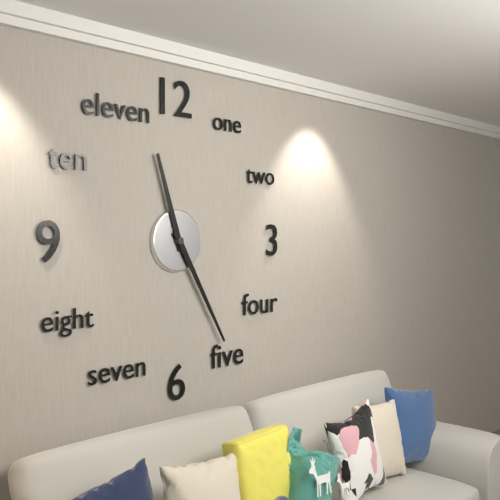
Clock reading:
11.25
